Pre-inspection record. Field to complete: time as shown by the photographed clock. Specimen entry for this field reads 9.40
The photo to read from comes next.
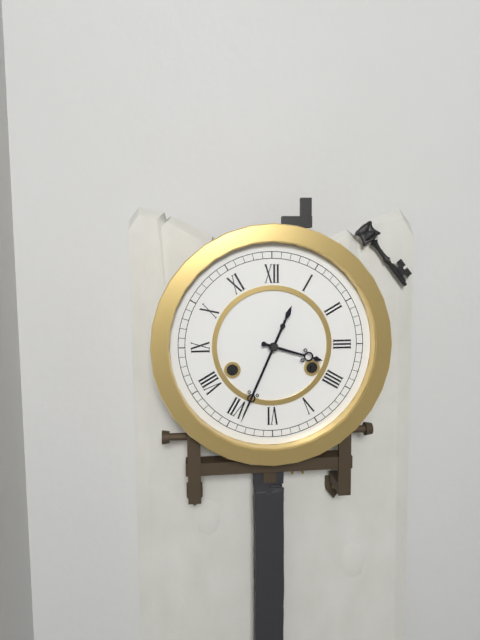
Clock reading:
3.34
